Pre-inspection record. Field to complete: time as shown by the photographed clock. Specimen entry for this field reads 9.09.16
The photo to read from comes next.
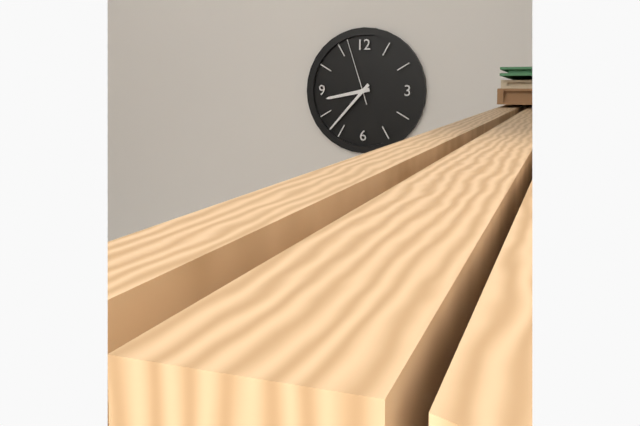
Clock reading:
8.37.57
